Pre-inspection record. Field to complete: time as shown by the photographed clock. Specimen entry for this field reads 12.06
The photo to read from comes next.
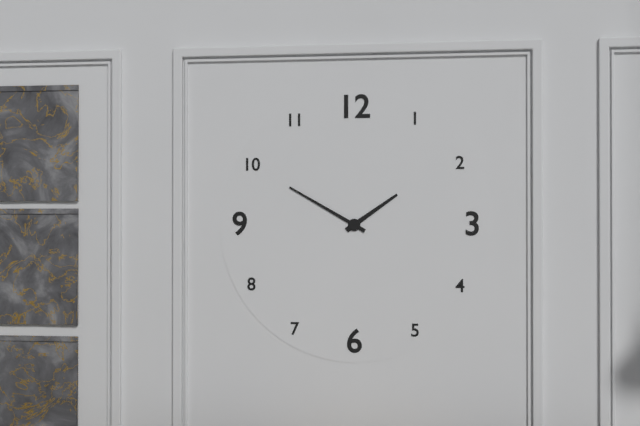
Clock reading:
1.50
